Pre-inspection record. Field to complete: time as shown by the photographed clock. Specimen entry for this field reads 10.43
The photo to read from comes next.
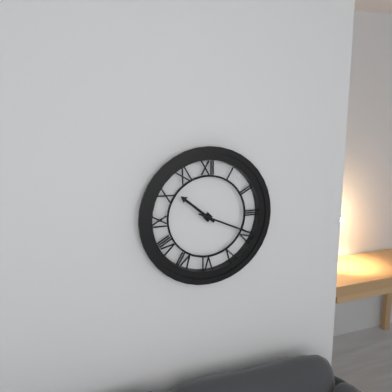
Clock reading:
10.19
